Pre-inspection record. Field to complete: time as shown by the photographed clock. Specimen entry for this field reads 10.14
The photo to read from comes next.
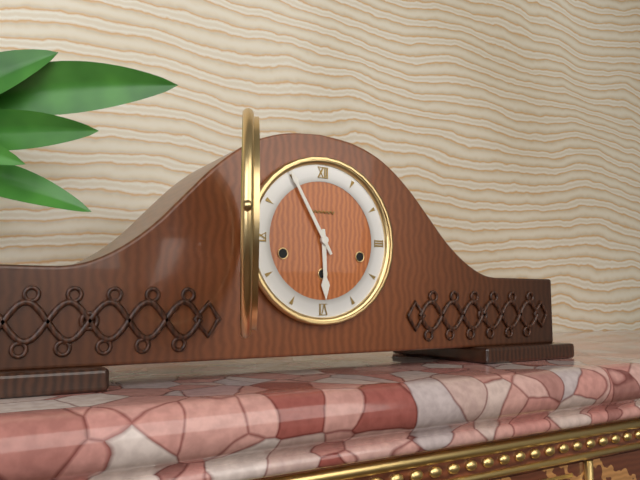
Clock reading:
5.55
